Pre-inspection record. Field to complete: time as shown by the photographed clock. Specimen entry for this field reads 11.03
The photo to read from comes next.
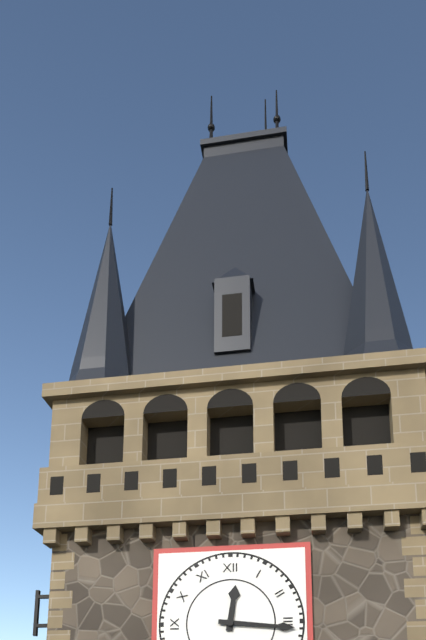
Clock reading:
12.16
